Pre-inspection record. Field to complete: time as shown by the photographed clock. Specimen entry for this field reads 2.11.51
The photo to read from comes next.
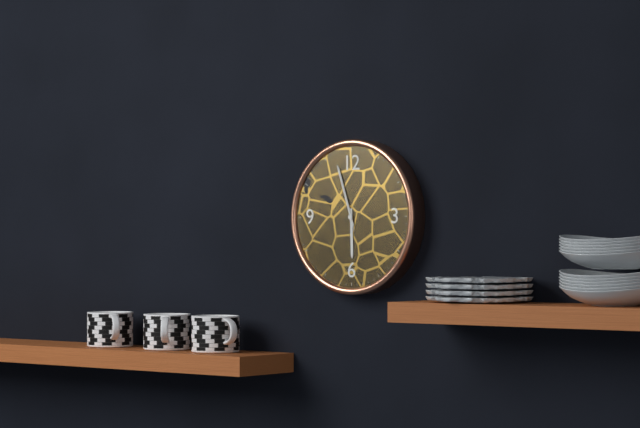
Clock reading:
5.57.57
